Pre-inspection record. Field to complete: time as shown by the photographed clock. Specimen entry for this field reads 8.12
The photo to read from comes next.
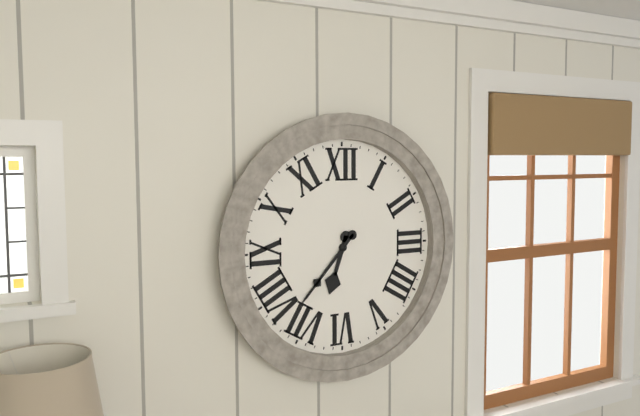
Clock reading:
6.37
